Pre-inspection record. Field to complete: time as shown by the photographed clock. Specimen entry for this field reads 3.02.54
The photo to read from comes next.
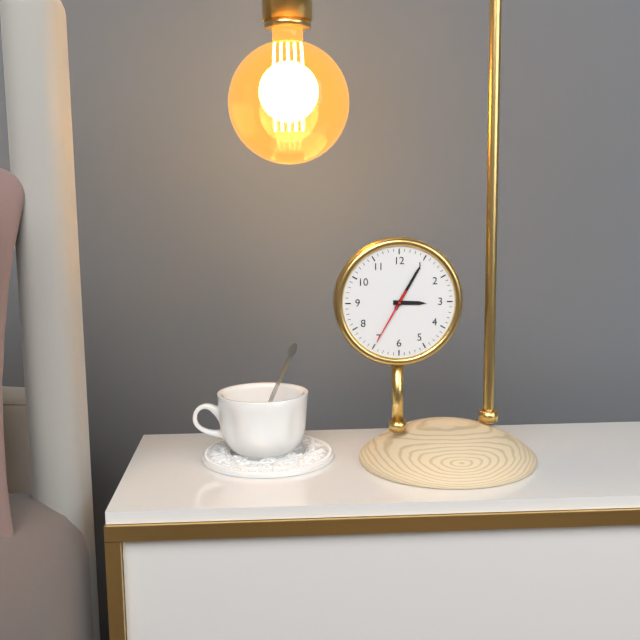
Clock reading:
3.05.35
